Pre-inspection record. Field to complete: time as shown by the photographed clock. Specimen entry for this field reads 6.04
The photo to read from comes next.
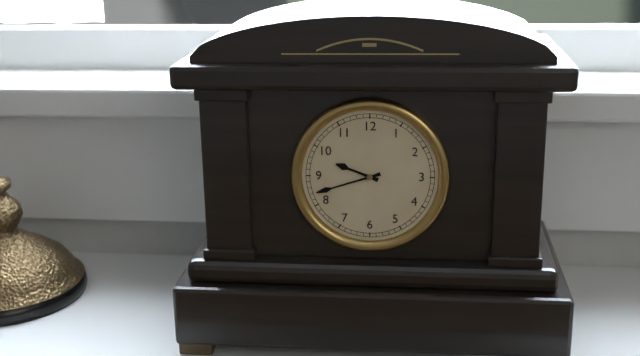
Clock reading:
9.42
